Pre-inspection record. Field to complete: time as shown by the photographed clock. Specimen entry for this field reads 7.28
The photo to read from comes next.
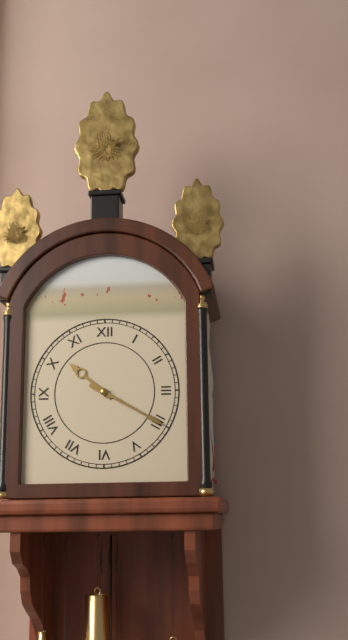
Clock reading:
10.20
